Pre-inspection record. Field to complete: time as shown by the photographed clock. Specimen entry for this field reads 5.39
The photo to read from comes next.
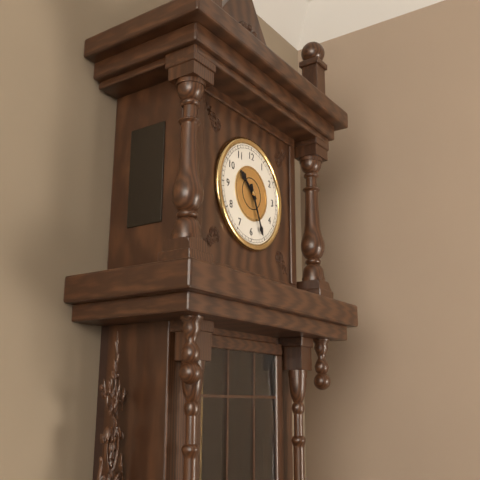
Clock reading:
10.26
